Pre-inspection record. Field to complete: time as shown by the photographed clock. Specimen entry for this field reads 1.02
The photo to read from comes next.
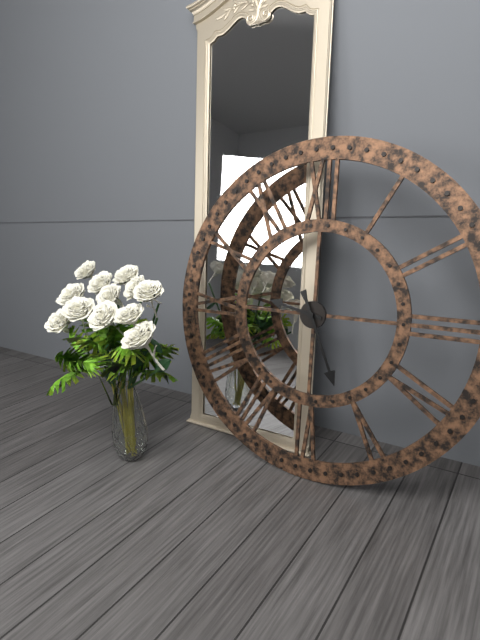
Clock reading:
9.26
